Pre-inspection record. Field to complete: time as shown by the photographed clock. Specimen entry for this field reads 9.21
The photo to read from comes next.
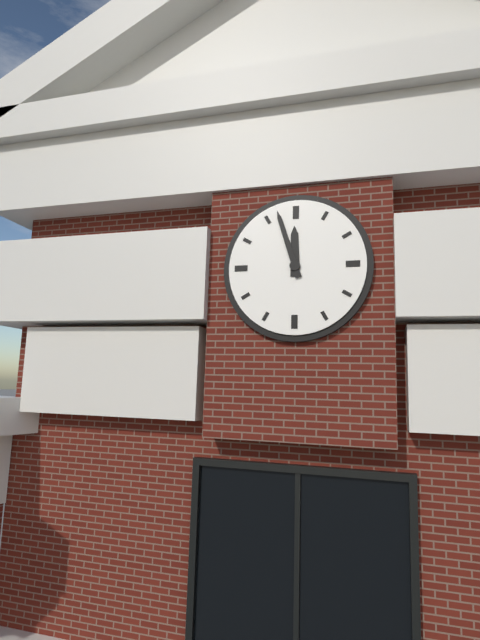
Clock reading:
11.57
